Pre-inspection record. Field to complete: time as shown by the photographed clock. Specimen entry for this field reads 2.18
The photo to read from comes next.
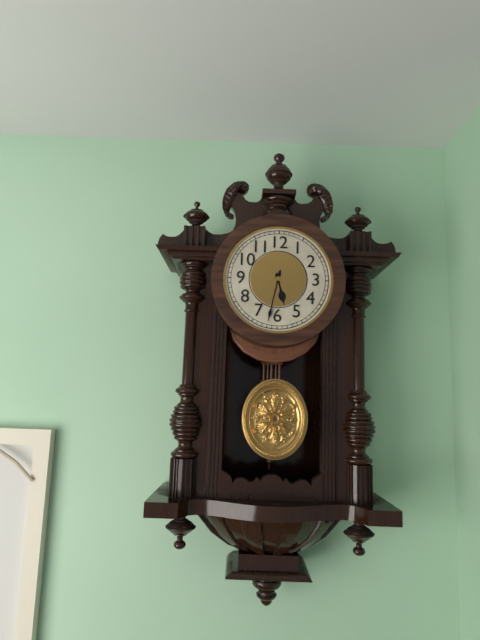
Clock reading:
5.32
